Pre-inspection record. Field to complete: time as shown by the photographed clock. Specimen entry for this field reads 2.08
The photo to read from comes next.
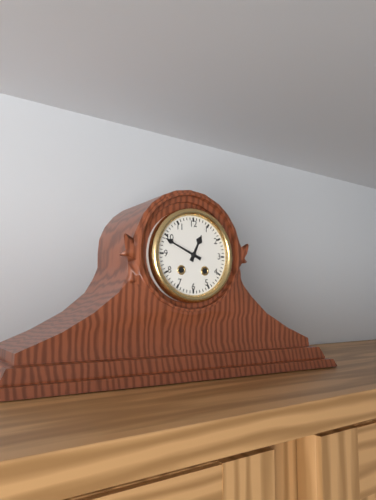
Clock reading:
12.49
